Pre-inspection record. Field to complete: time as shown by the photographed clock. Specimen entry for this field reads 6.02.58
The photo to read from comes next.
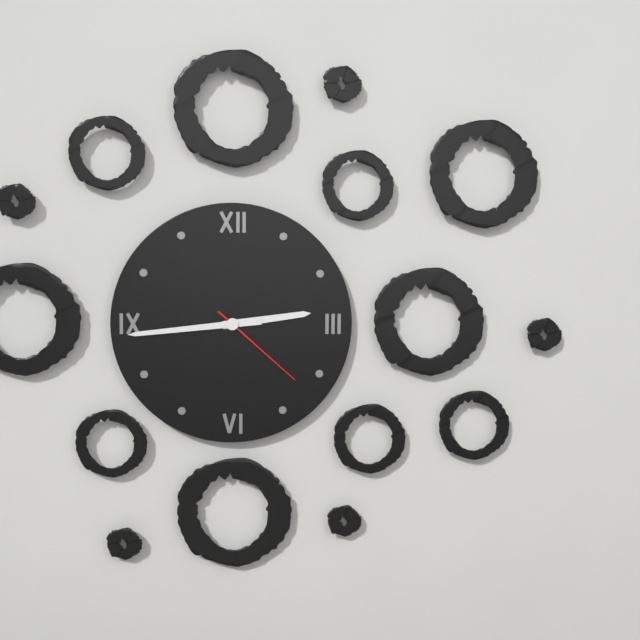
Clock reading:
2.44.22
